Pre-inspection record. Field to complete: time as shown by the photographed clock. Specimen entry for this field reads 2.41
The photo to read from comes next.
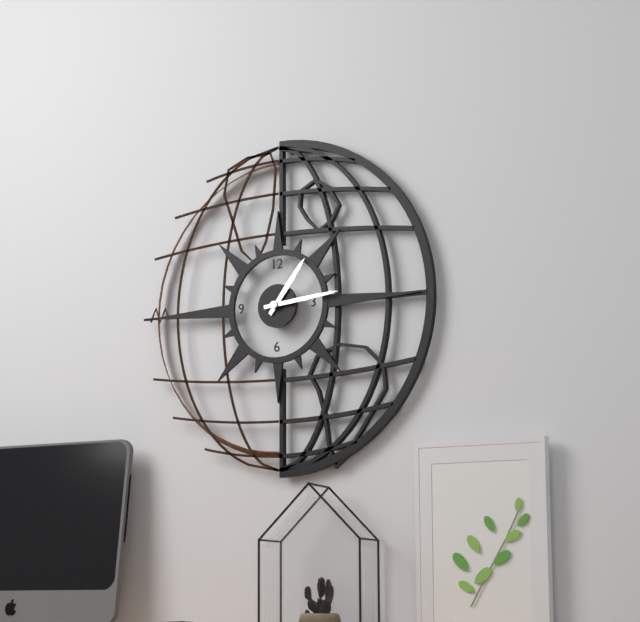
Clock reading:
1.14
